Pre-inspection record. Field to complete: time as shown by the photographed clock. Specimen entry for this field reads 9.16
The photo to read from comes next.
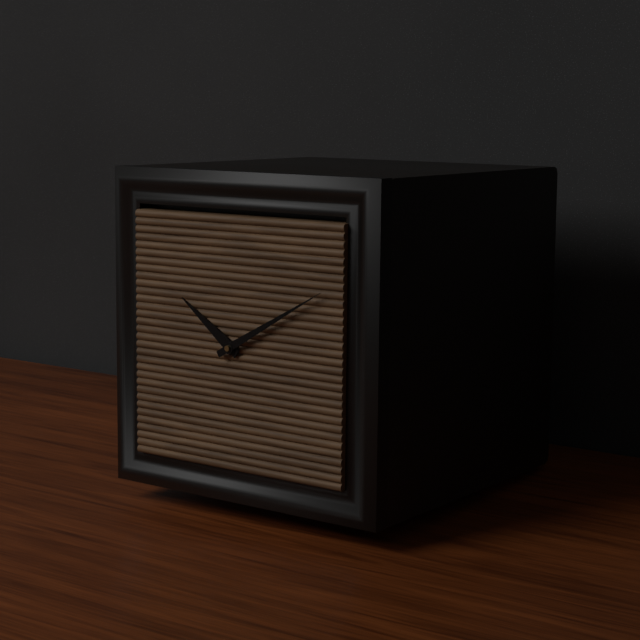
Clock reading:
10.10
